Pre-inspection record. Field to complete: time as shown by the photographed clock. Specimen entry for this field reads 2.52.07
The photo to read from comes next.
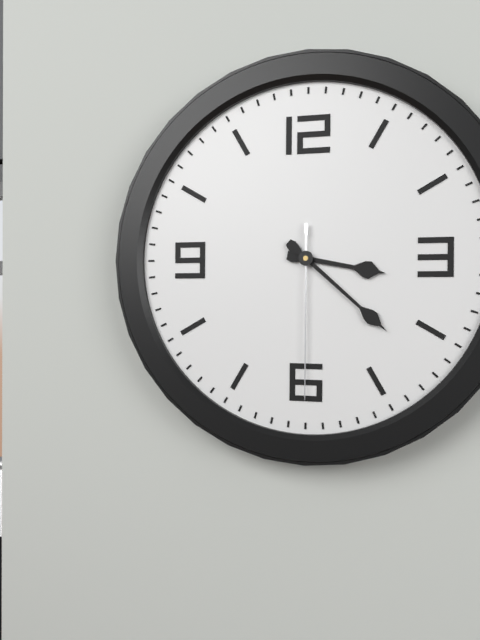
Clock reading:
3.22.30
